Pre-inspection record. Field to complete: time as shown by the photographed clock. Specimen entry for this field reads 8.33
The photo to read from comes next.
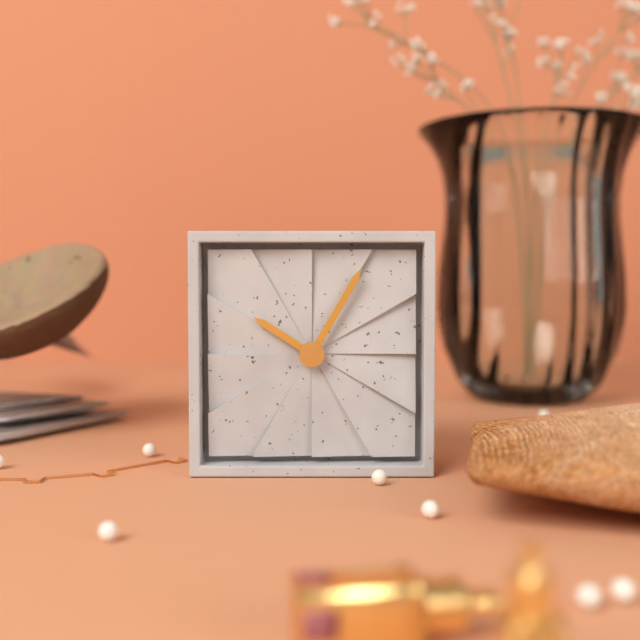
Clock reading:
10.05
